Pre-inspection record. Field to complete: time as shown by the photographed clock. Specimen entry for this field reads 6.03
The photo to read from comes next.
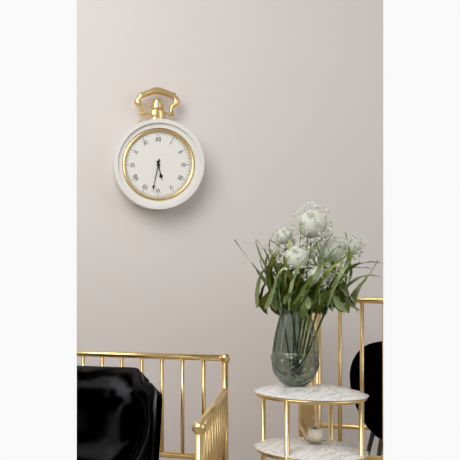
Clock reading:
5.32
